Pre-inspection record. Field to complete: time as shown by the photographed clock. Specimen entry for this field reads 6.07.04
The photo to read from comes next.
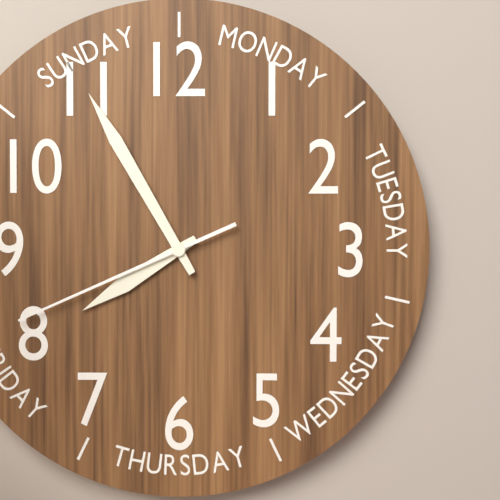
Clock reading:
7.55.41
